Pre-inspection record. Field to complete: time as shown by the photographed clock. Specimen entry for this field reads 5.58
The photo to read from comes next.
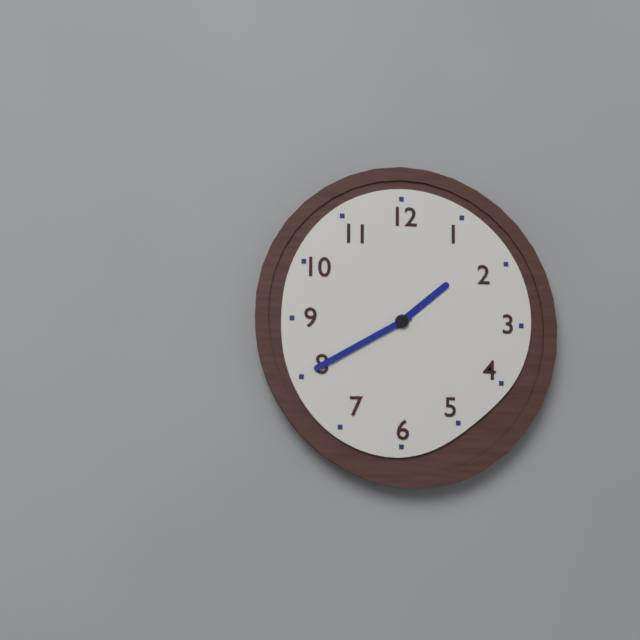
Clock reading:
1.40
